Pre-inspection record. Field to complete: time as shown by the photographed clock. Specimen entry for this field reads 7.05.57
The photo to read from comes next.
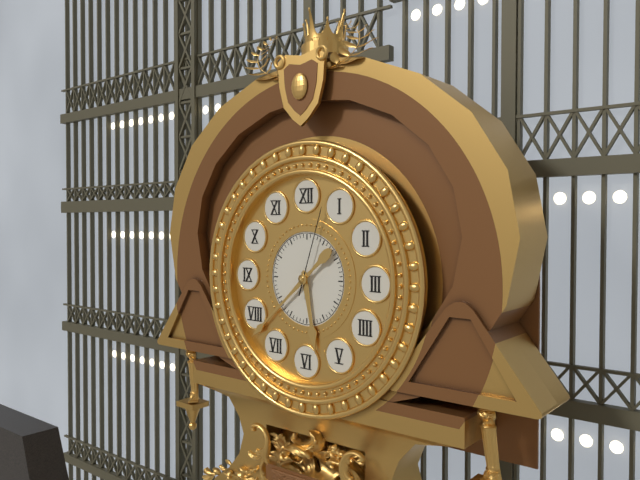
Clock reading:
5.38.03
